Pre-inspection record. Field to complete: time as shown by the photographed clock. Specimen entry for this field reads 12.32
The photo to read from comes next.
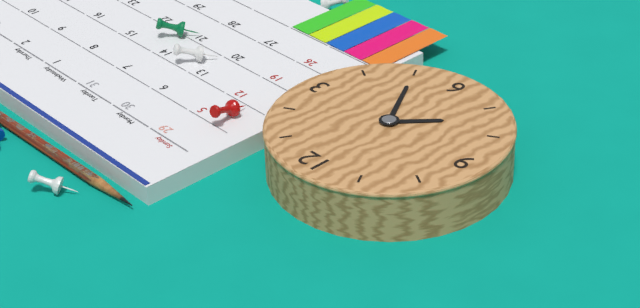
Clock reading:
7.25
